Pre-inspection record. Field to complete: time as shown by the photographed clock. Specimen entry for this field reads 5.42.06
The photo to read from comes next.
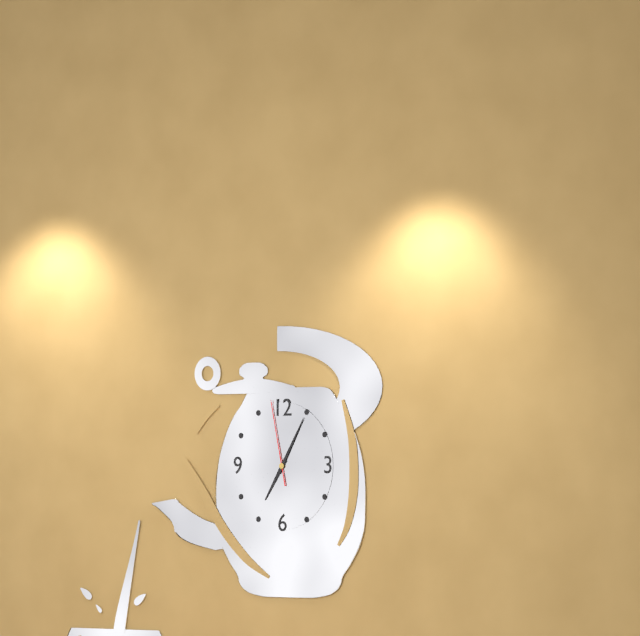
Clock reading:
7.05.58
